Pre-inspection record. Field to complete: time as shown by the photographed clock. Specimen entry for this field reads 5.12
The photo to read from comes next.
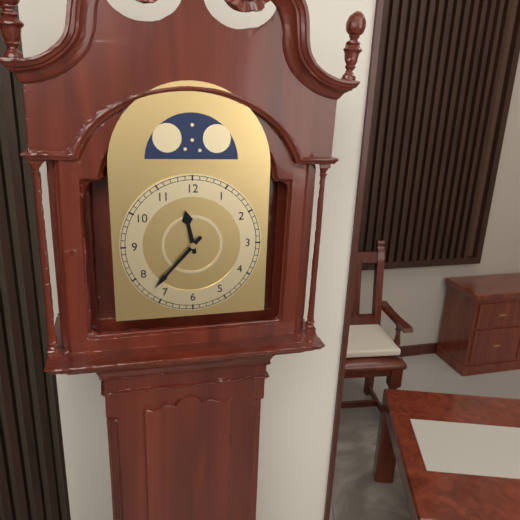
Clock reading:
11.37
